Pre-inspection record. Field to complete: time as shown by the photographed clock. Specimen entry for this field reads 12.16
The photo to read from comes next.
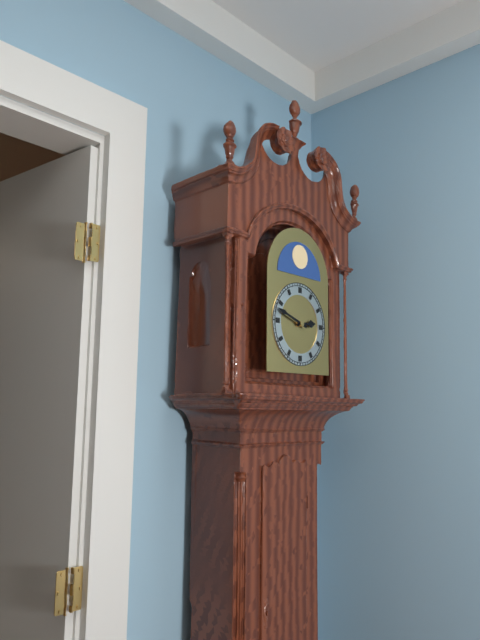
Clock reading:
2.48
